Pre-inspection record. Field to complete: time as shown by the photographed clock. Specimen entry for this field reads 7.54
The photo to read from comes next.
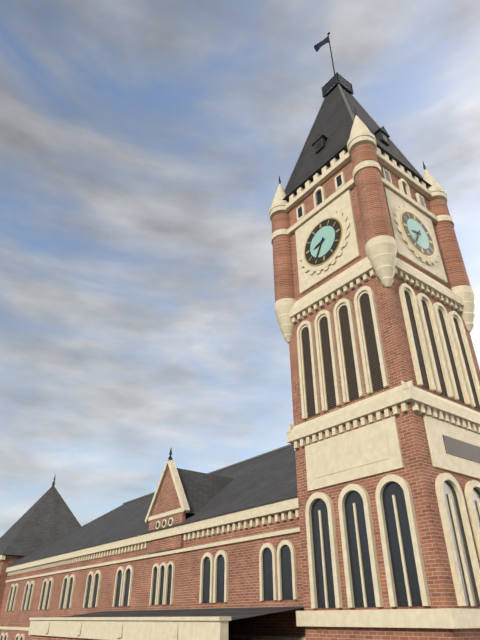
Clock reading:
8.35
